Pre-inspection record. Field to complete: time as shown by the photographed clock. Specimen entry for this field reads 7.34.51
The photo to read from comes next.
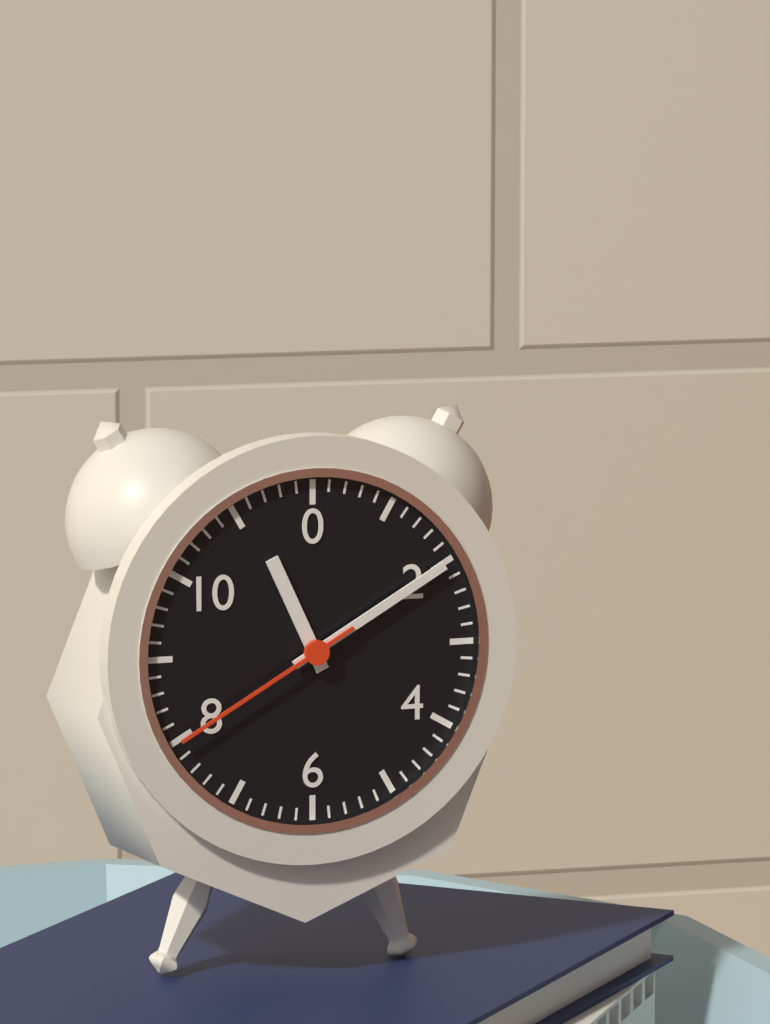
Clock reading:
11.10.40
